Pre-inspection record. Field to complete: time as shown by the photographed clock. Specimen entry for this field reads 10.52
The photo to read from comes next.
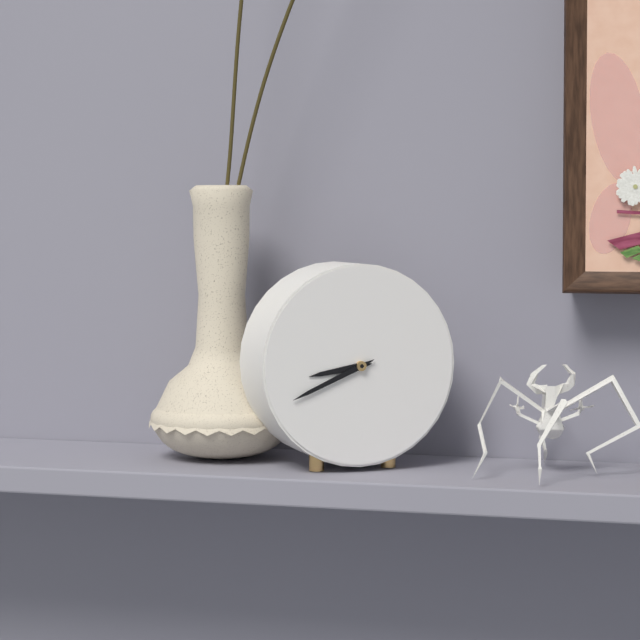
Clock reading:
8.41
